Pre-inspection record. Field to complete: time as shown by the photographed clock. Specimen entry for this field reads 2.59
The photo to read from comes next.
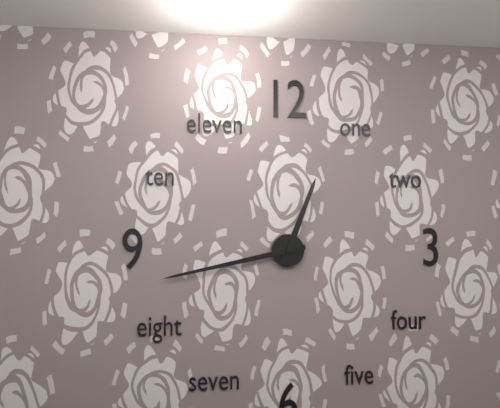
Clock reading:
12.43
